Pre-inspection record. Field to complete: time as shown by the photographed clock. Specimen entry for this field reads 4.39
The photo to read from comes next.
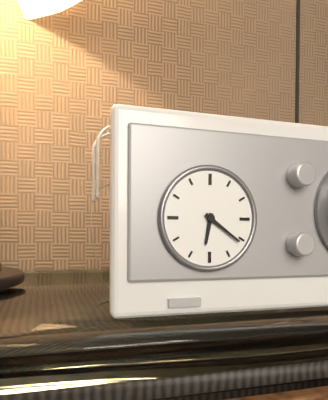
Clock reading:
6.21
